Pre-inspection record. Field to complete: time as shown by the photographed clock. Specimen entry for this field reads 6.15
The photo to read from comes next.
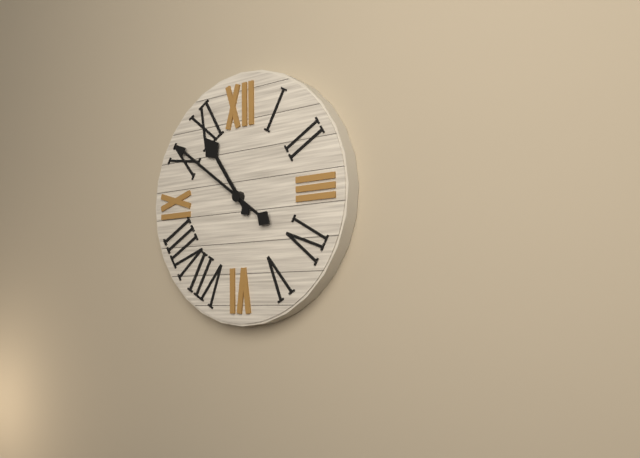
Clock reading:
10.51
